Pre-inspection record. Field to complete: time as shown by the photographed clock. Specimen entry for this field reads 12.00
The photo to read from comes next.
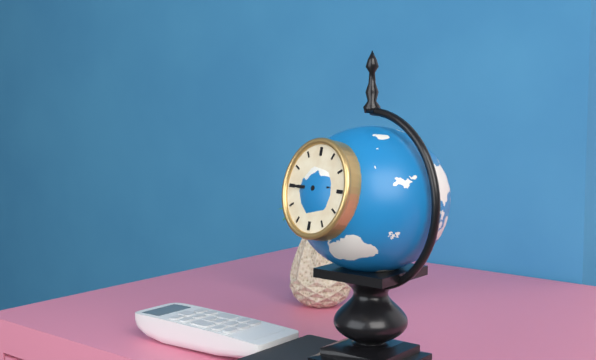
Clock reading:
2.45
